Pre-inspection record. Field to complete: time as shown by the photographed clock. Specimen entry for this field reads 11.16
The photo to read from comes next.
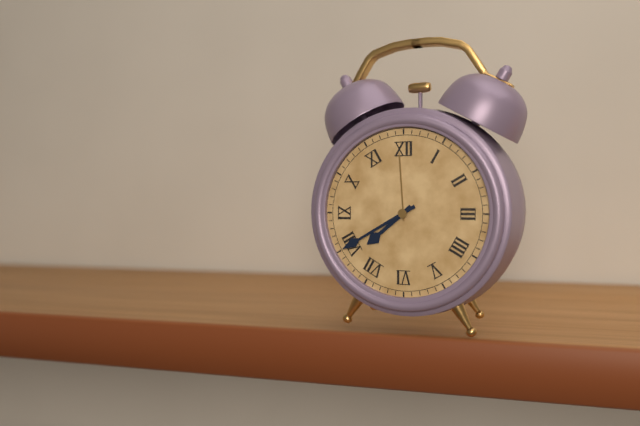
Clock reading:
7.40
